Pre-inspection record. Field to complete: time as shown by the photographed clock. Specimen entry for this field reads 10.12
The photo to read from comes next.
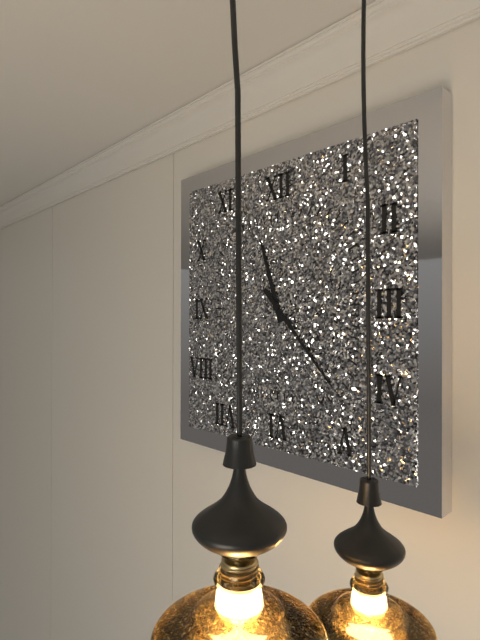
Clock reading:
11.23
